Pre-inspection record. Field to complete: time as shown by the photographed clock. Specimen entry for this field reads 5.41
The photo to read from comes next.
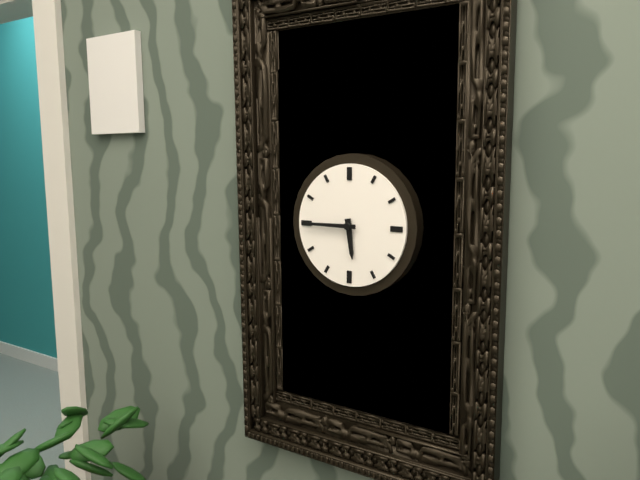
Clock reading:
5.45
